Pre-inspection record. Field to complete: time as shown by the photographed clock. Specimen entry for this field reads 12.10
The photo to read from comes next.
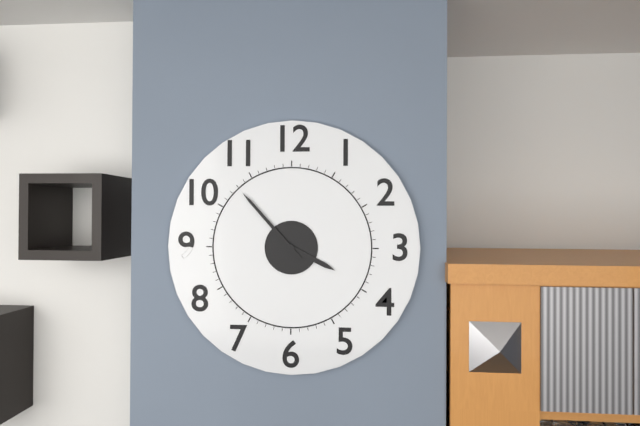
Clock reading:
3.53
